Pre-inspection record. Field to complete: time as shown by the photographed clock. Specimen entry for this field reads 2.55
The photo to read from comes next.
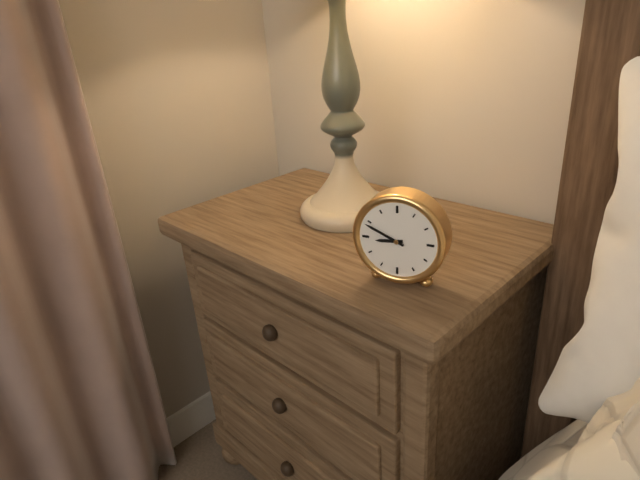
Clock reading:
8.49
